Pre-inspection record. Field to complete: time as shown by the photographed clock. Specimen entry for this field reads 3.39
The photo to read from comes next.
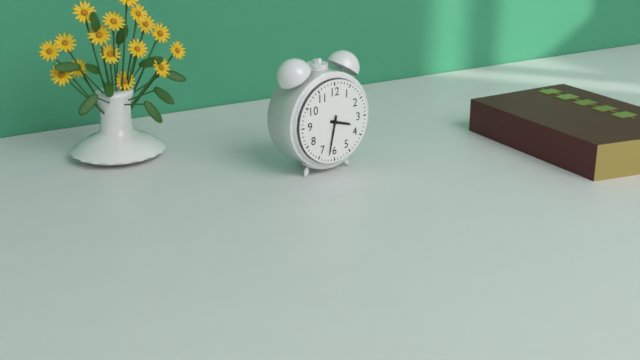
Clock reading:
3.32
